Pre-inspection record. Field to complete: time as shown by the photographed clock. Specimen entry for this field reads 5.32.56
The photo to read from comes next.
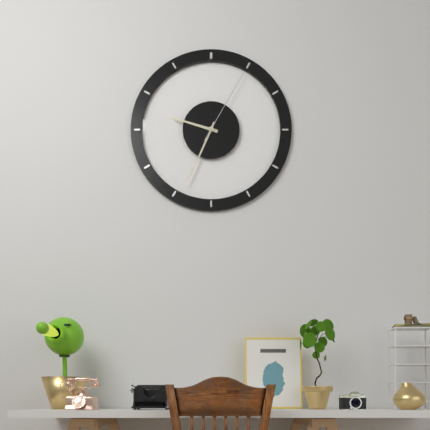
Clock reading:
9.34.05
